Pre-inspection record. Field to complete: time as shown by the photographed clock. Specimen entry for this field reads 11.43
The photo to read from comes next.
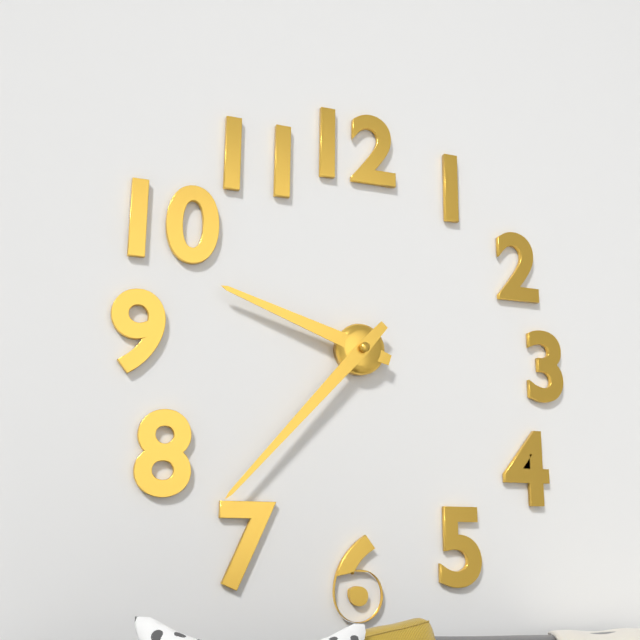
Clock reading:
9.37
